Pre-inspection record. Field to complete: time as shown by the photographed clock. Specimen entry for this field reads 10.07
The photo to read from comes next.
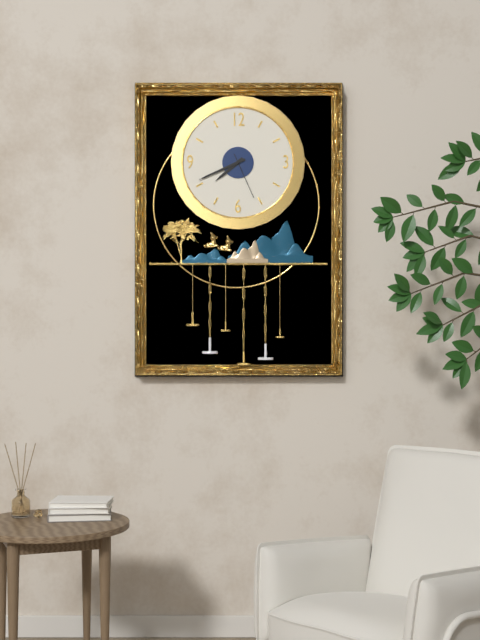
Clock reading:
7.41
